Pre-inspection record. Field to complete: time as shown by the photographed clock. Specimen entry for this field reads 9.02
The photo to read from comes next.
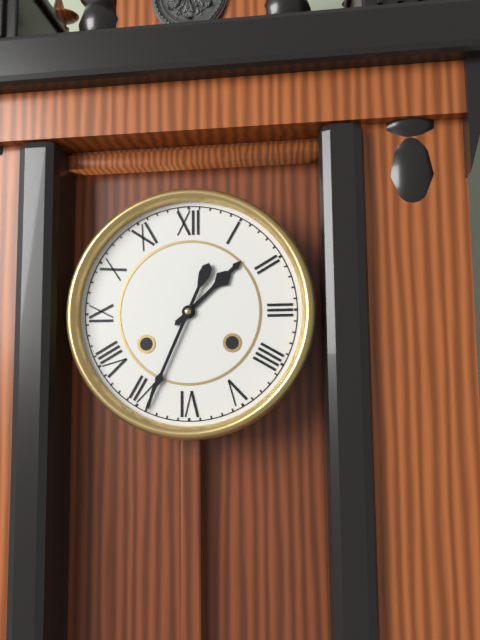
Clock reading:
1.34
